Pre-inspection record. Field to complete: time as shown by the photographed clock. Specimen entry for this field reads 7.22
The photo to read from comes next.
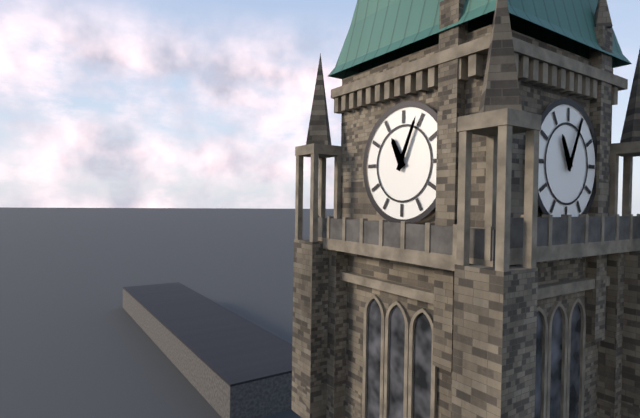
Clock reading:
11.04
